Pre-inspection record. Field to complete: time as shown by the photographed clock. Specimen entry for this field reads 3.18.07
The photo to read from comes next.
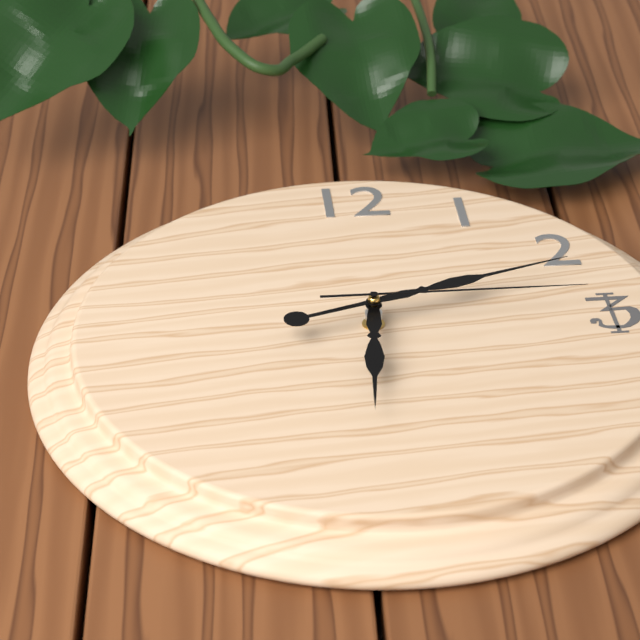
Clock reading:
6.12.15
